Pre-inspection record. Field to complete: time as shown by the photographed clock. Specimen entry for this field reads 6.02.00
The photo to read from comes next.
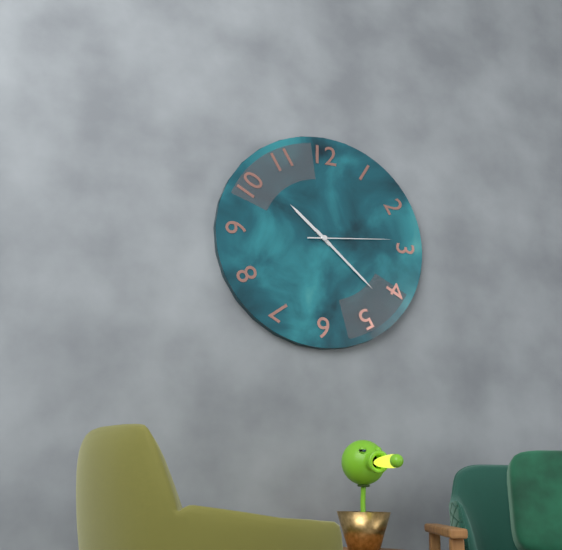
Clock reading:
10.22.14
